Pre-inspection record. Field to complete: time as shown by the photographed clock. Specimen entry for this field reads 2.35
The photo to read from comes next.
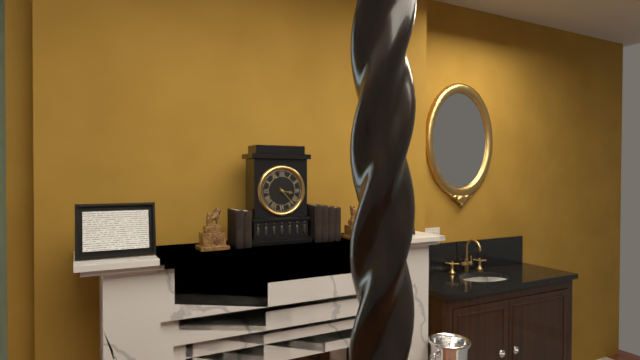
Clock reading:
3.23
